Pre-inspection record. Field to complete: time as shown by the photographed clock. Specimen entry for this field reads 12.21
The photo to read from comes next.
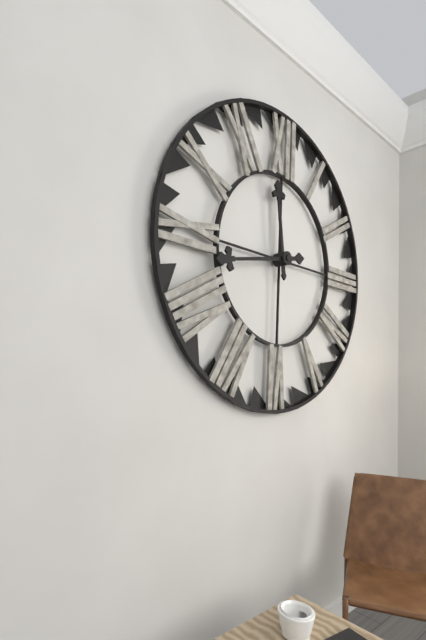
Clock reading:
11.43
